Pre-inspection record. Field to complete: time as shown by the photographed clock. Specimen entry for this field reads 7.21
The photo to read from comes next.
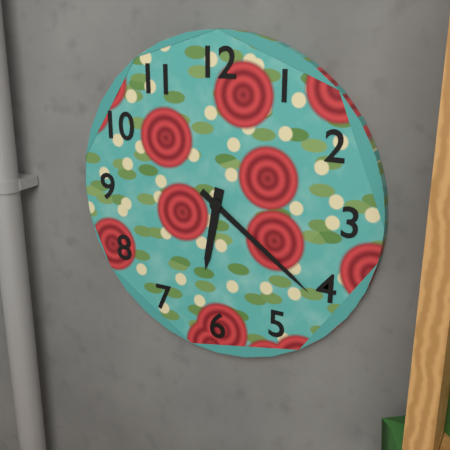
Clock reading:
6.21
